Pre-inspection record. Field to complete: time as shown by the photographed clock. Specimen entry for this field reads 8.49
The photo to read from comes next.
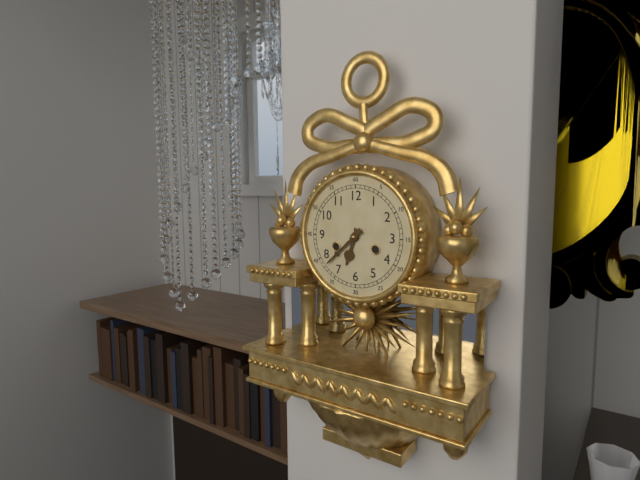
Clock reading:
6.38
